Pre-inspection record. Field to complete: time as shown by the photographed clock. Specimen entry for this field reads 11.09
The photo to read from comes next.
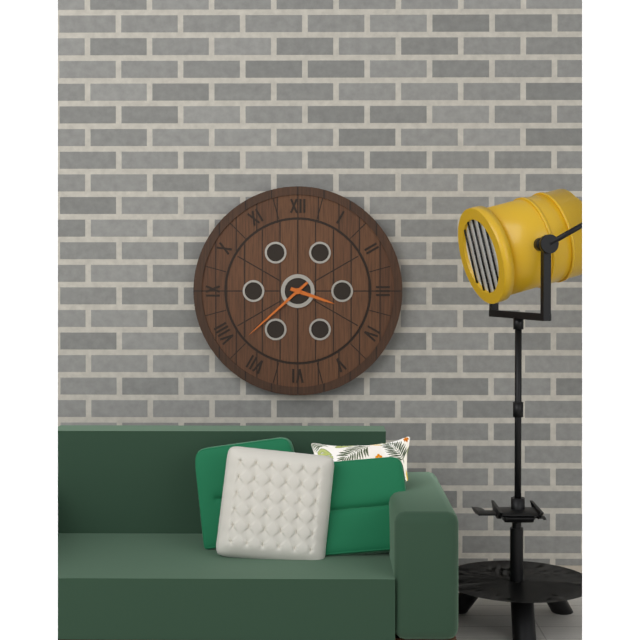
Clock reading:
3.38
